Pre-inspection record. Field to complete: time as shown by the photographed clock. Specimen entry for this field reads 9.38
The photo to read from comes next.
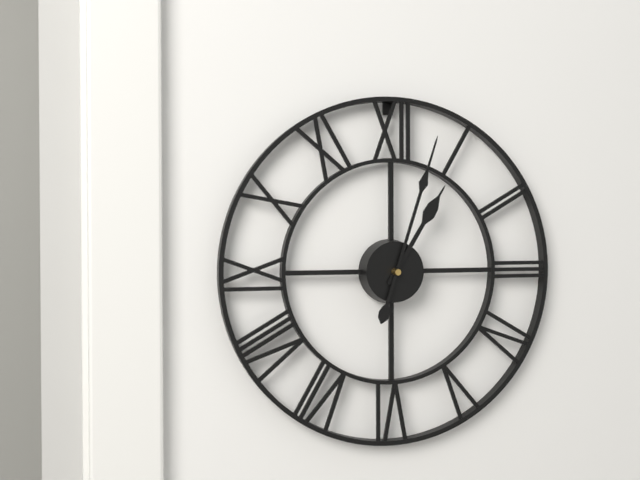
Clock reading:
1.03
